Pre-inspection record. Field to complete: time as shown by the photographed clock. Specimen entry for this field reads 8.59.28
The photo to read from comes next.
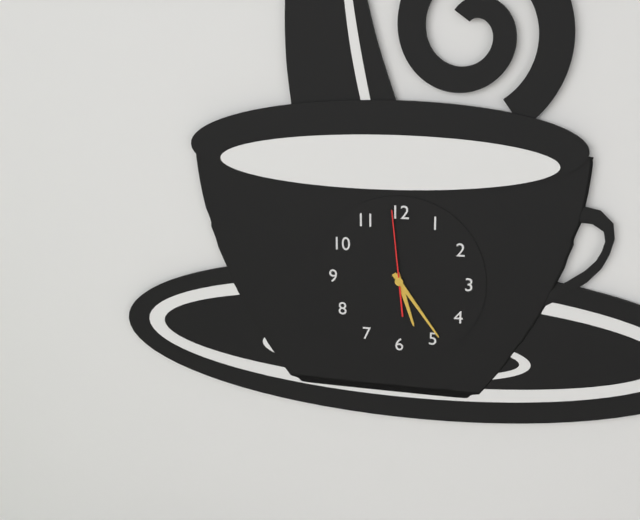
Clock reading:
5.24.59
